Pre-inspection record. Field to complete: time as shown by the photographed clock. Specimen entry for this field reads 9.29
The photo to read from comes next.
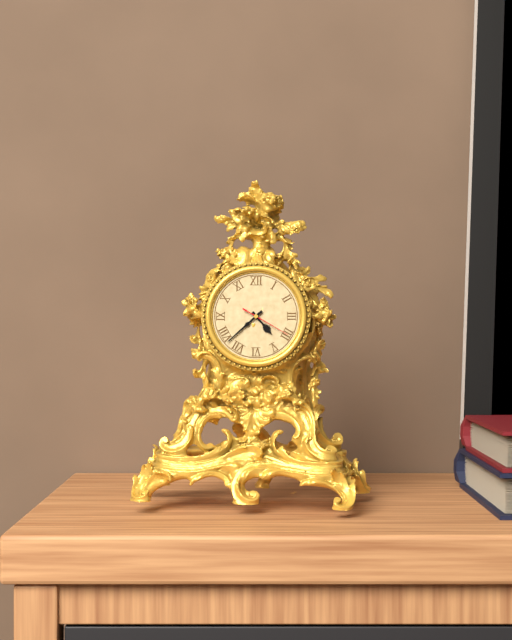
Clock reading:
4.38
